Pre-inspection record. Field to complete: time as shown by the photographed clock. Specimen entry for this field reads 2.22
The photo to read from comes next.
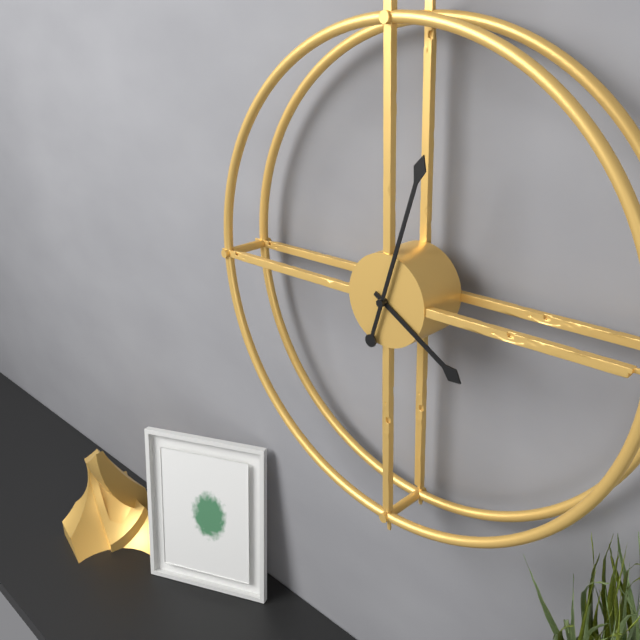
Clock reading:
4.03
